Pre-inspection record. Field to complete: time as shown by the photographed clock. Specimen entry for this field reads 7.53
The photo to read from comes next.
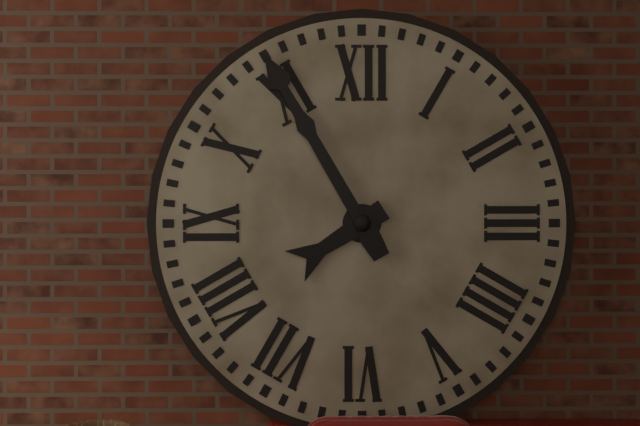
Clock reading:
7.55
